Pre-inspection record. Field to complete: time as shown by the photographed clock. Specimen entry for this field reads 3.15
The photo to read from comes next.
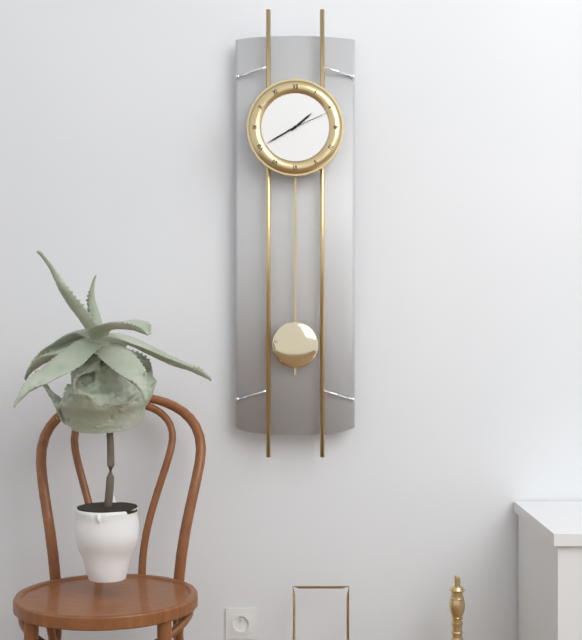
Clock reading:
1.40
